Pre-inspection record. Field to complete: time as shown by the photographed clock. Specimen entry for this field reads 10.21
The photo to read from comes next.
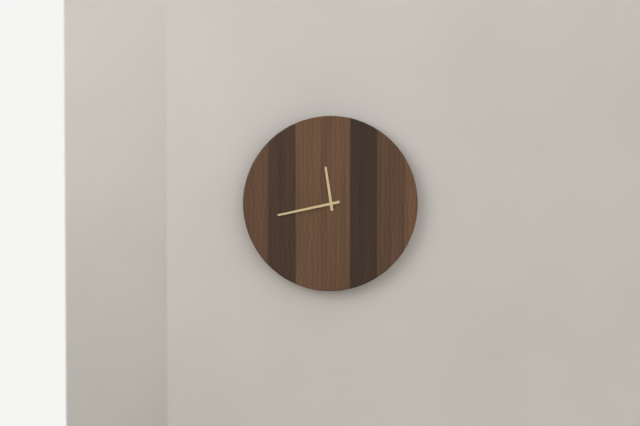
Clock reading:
11.43
